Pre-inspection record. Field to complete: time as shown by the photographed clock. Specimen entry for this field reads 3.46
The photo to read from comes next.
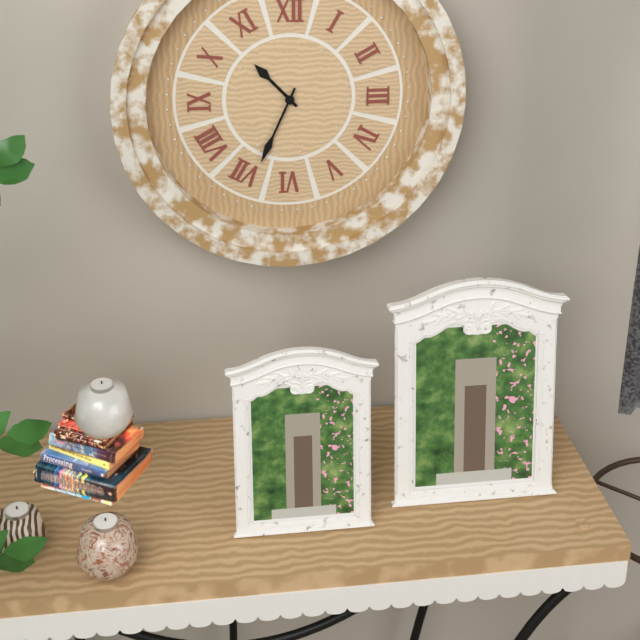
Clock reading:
10.34
